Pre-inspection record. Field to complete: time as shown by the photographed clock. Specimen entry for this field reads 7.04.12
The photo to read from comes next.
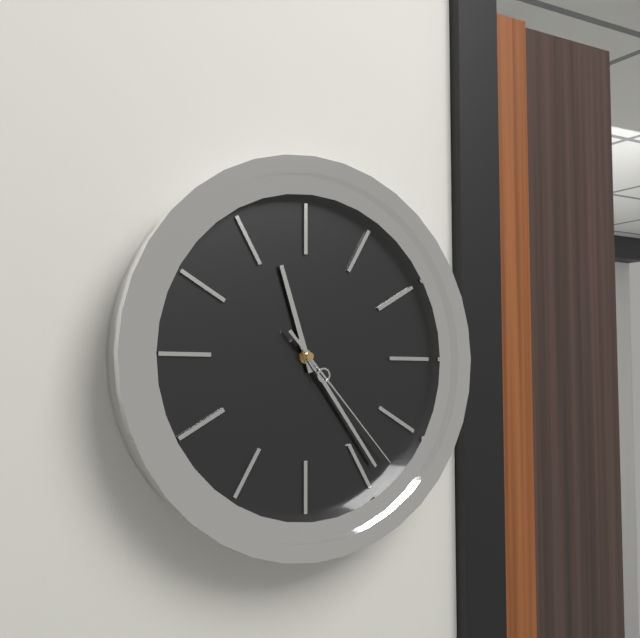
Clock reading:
11.24.23
